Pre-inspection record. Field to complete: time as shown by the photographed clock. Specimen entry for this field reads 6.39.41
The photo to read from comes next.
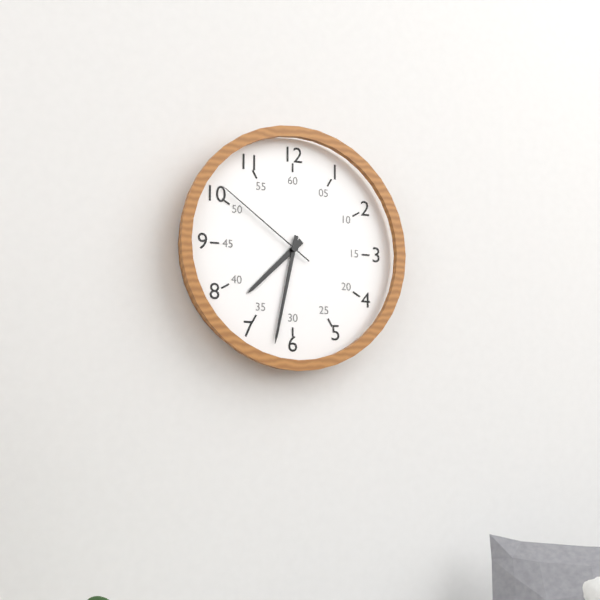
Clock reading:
7.32.51
